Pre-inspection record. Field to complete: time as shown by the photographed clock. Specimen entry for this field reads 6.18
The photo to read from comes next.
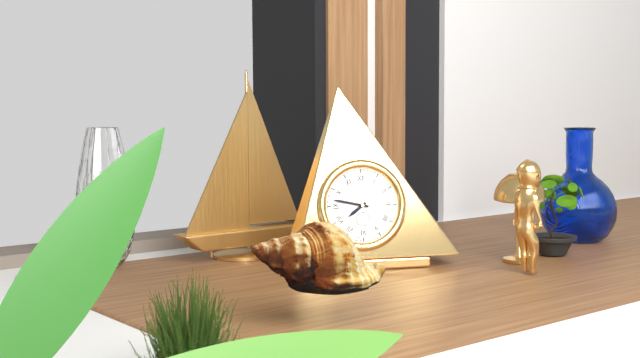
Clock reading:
7.47
